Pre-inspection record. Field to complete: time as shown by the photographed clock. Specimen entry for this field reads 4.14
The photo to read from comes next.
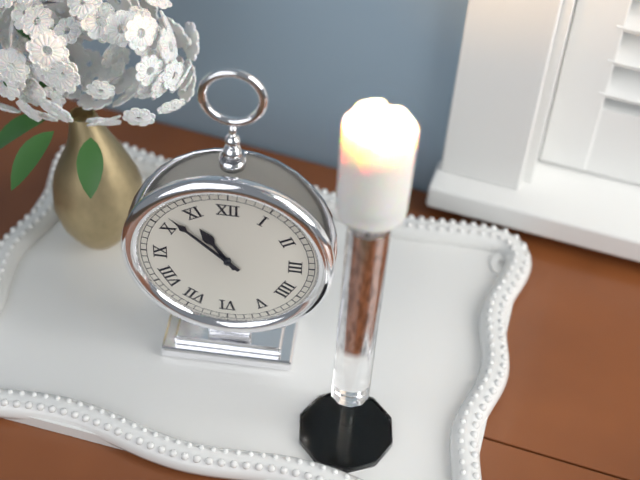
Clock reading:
10.52
